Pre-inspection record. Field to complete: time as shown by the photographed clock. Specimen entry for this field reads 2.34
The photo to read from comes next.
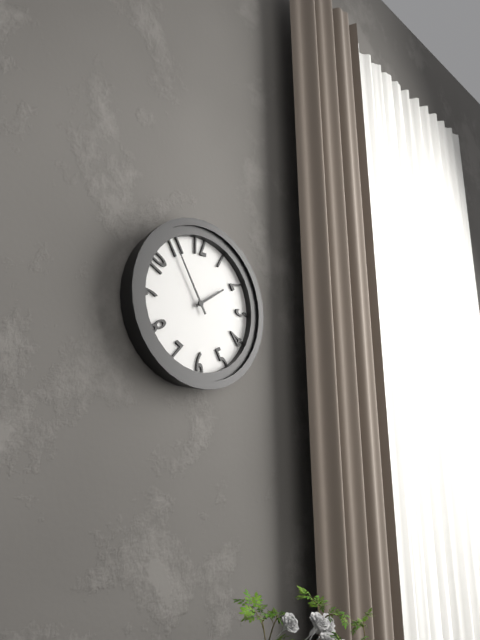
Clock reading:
1.55
